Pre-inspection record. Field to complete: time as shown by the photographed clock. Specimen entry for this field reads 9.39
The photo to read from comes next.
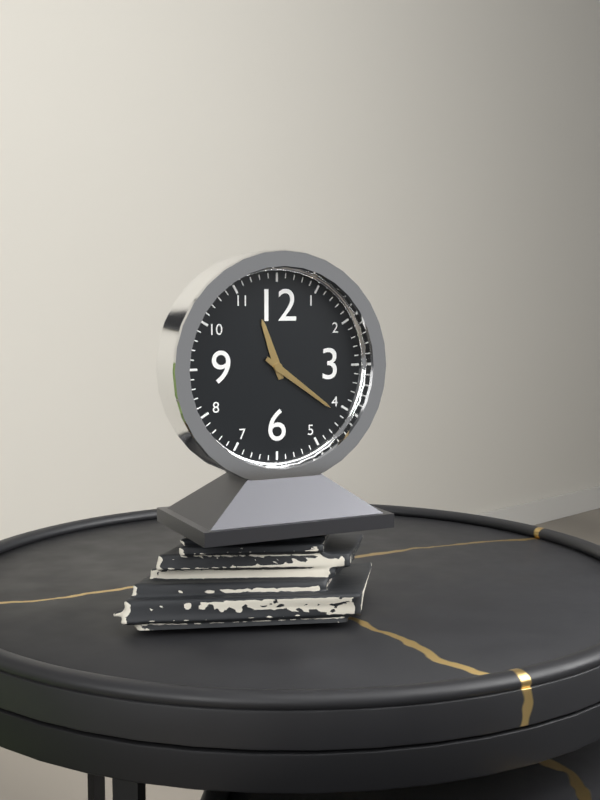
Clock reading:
11.21
